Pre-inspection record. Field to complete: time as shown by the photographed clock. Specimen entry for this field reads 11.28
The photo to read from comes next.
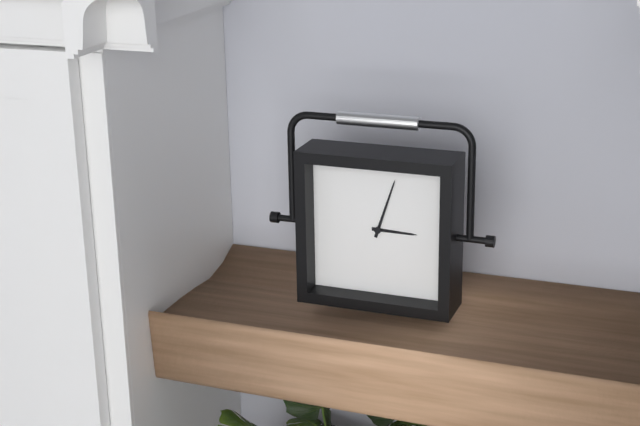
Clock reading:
3.03
